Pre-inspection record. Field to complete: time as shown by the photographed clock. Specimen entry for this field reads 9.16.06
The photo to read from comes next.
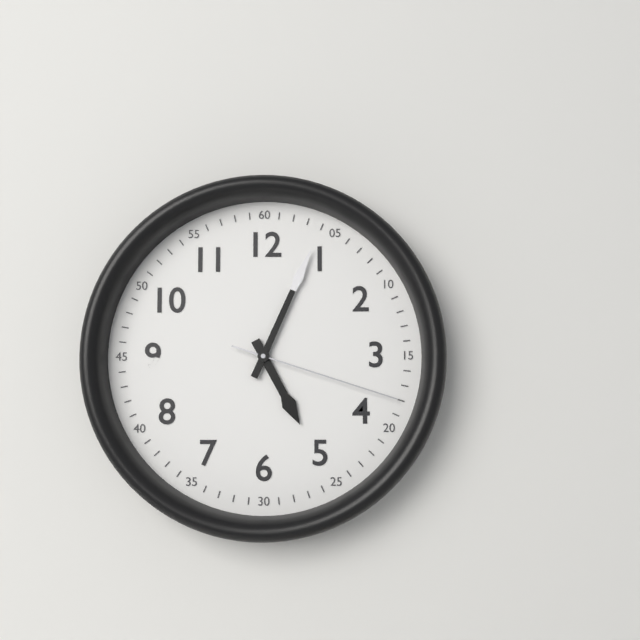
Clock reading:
5.04.18
